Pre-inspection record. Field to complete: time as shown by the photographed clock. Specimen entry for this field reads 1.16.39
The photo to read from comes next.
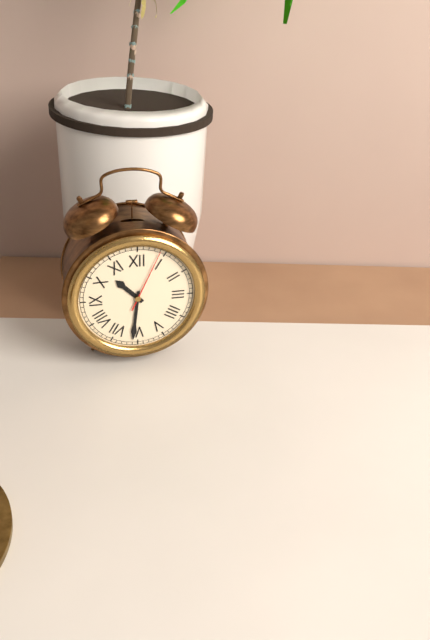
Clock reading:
10.31.04
